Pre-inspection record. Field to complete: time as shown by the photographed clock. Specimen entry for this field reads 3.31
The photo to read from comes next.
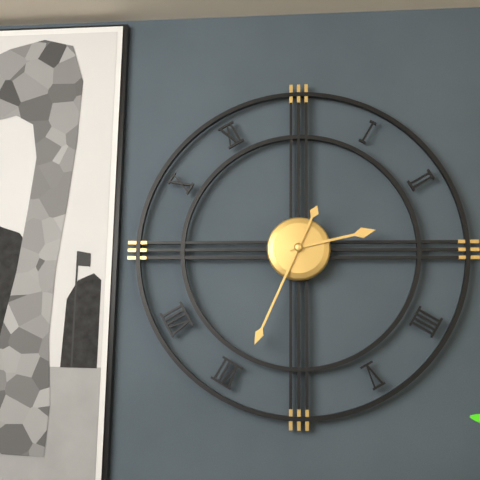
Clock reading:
2.34
